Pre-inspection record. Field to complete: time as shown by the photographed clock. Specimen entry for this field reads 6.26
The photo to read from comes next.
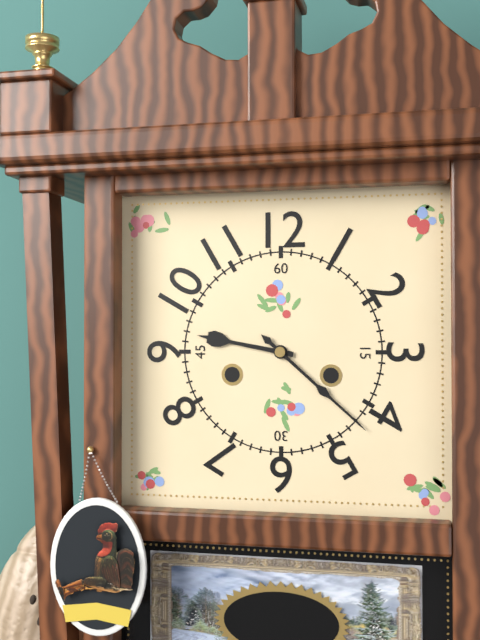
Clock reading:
9.22
